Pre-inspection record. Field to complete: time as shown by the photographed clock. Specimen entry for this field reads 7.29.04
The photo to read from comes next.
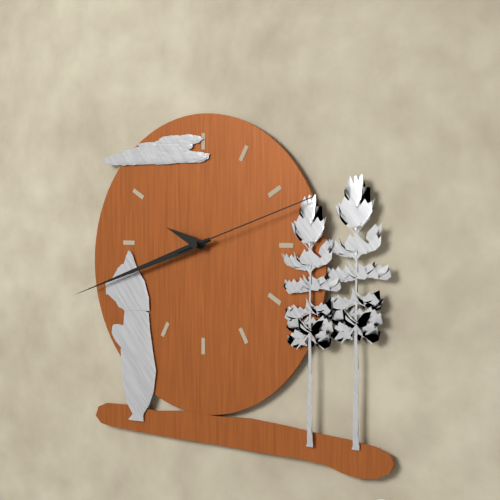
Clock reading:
9.42.12
